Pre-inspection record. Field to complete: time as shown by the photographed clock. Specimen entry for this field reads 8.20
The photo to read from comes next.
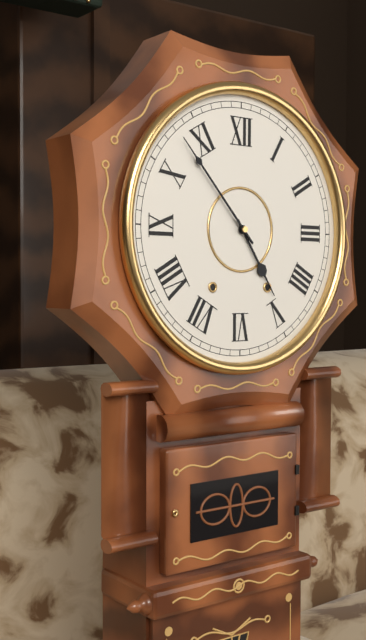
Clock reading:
4.53
